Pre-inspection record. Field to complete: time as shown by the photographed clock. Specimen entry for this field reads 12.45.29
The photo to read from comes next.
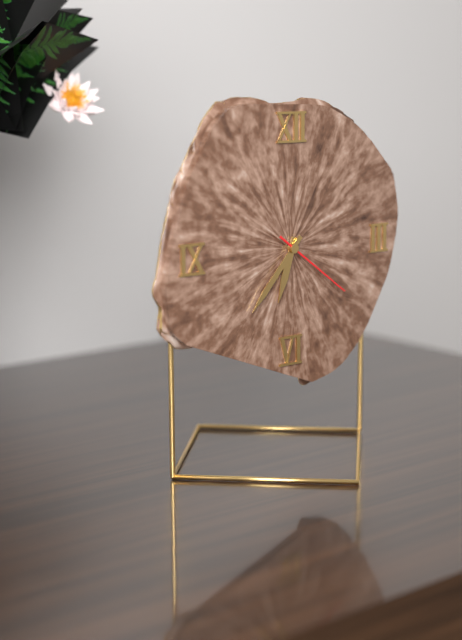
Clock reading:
6.37.21
